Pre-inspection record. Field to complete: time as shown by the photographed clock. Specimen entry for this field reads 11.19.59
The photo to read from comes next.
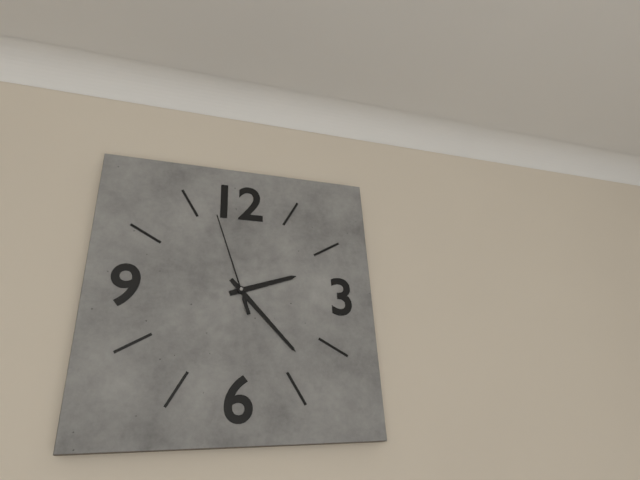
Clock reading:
2.23.57
